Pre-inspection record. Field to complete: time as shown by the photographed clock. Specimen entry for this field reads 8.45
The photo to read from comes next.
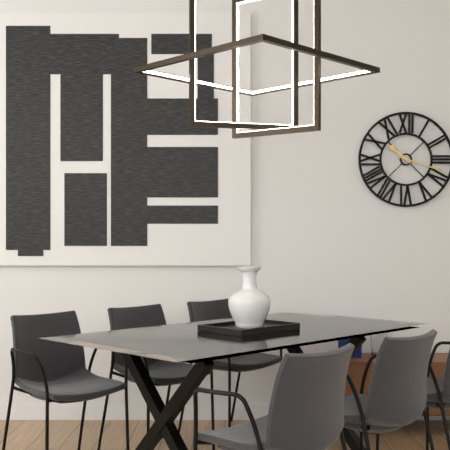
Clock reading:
10.18
